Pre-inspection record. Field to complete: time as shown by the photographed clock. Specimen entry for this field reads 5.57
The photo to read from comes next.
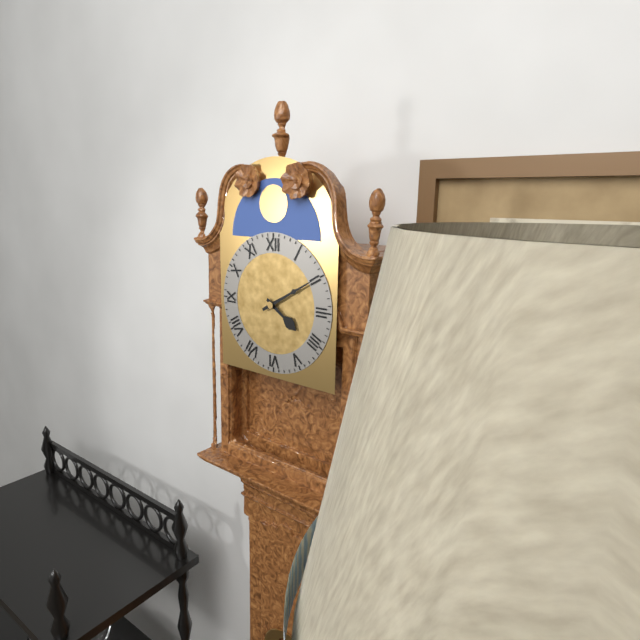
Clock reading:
4.10
